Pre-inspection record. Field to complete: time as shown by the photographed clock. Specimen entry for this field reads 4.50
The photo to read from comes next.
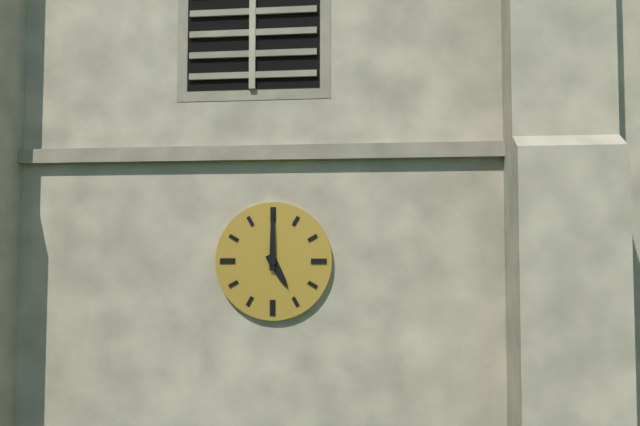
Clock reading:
5.00
